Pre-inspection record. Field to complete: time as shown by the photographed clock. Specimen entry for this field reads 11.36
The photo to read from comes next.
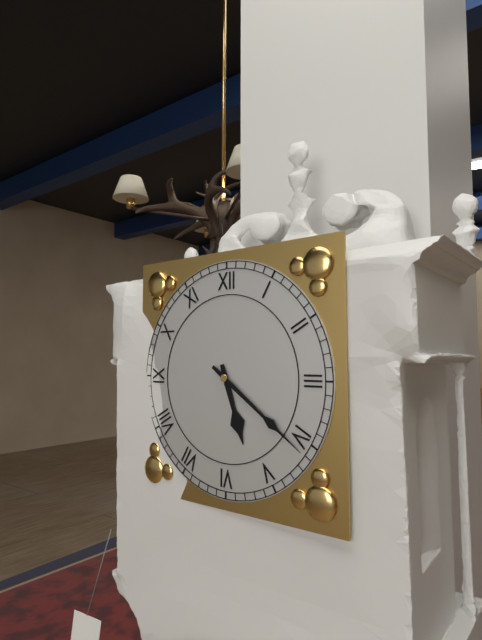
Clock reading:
5.21
